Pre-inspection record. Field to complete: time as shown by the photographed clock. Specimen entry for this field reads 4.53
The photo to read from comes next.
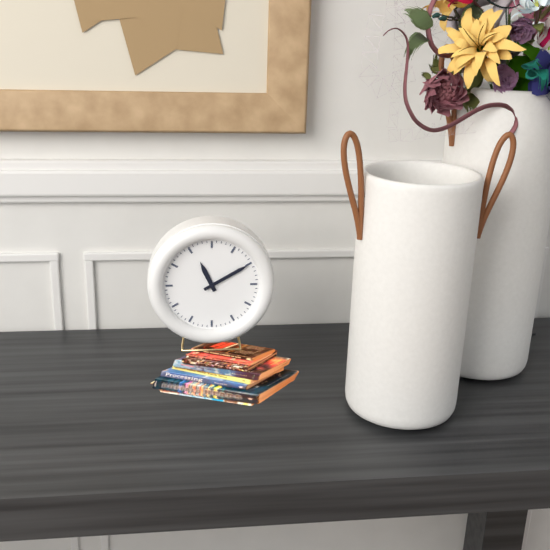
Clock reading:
11.10
